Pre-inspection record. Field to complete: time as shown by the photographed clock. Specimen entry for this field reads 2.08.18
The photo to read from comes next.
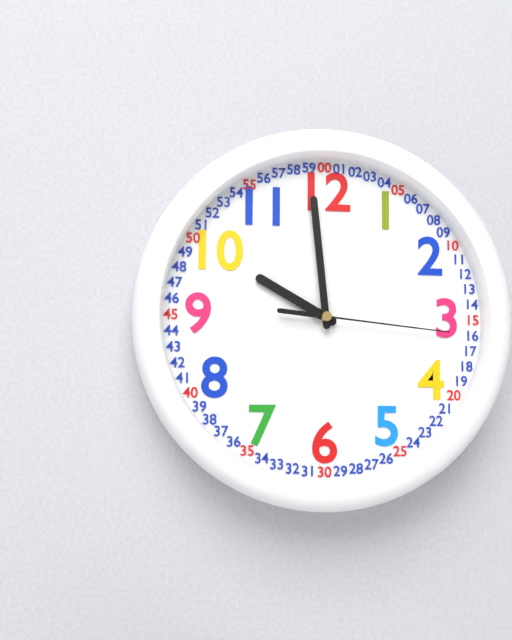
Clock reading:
9.59.16
